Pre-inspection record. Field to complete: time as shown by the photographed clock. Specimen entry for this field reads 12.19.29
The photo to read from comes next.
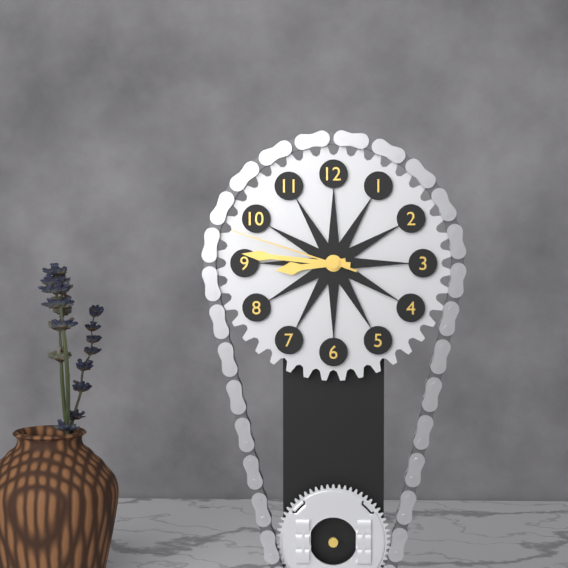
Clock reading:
8.46.48
